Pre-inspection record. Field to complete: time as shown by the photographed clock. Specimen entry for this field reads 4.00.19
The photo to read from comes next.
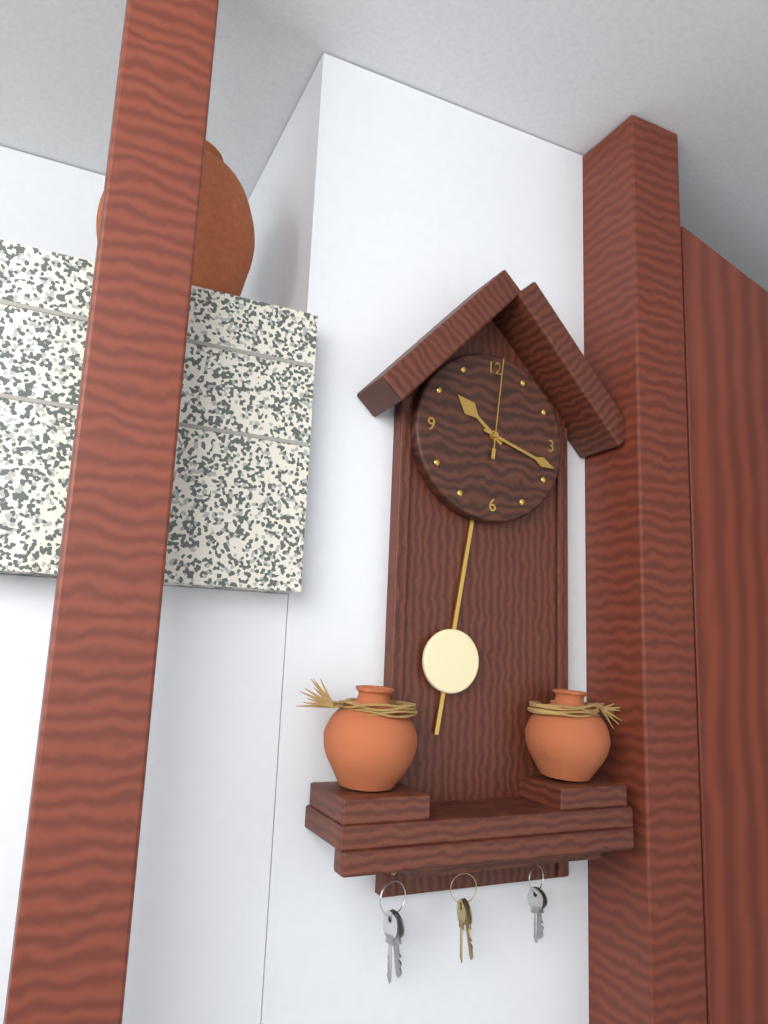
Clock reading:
10.18.01
